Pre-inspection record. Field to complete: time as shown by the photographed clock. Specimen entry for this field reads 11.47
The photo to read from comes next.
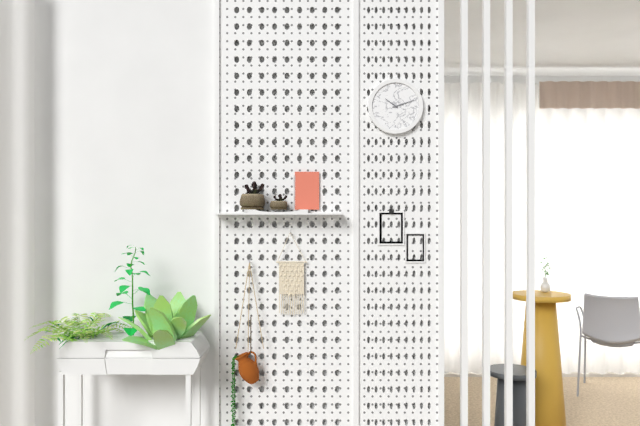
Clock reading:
10.12
